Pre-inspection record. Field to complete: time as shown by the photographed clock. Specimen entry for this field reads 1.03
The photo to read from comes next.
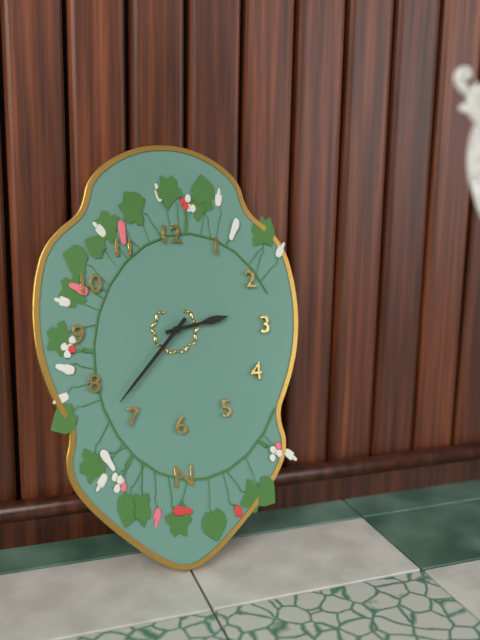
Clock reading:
2.37
